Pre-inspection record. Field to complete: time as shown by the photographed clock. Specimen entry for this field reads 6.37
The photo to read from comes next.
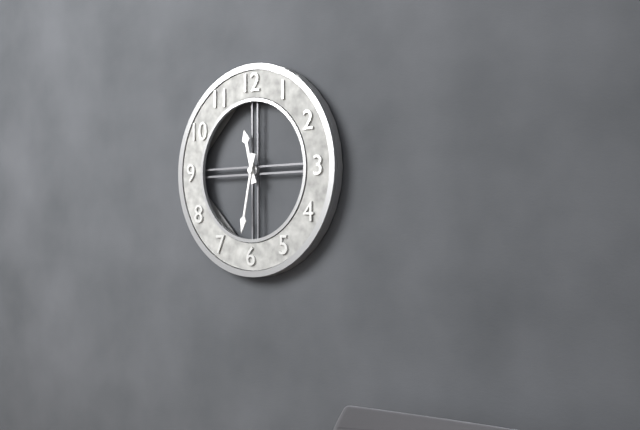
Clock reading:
11.32
